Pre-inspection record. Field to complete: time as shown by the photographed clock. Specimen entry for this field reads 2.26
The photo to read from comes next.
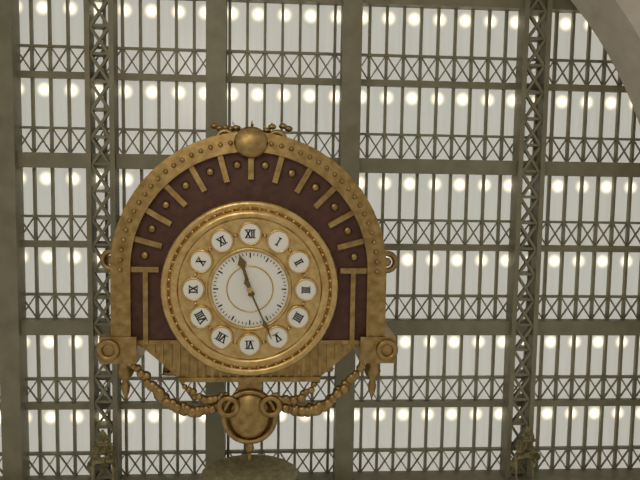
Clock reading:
11.26
